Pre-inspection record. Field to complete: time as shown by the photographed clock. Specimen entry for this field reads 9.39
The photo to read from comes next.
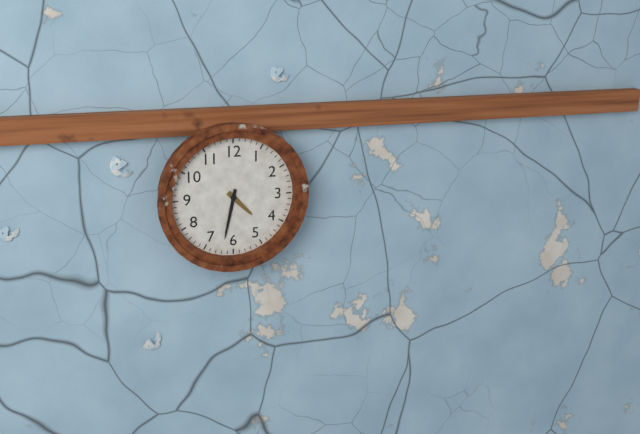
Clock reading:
4.32
